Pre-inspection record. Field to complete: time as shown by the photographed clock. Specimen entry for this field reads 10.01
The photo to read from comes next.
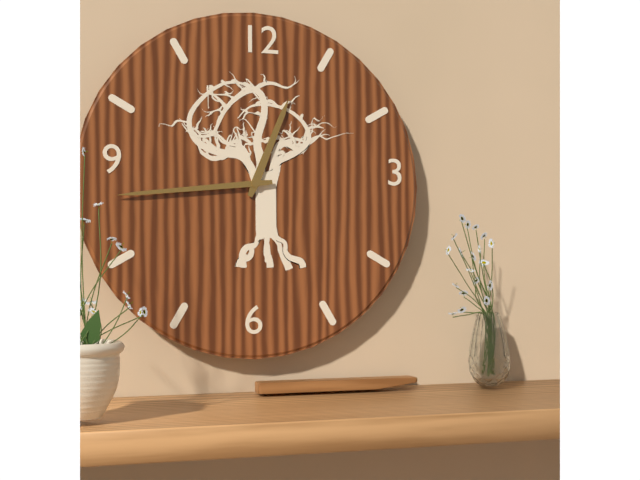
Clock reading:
12.44
